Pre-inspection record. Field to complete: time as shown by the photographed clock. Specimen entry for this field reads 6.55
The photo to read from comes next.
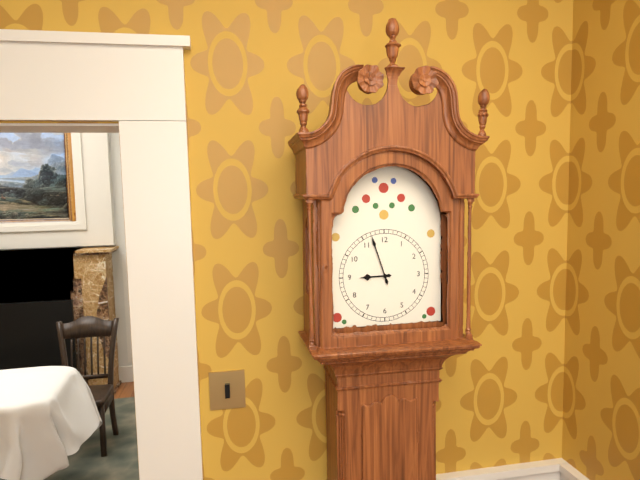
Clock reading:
8.57
